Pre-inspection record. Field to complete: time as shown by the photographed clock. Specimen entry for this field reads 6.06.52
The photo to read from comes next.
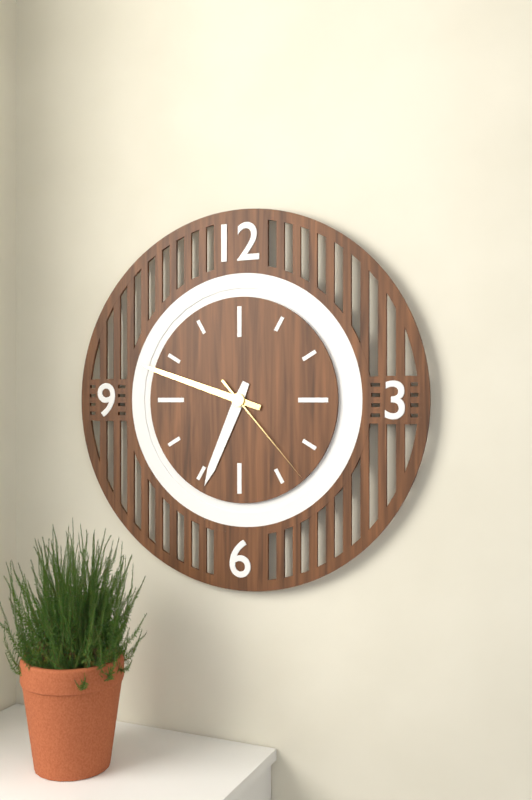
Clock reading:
6.48.23
